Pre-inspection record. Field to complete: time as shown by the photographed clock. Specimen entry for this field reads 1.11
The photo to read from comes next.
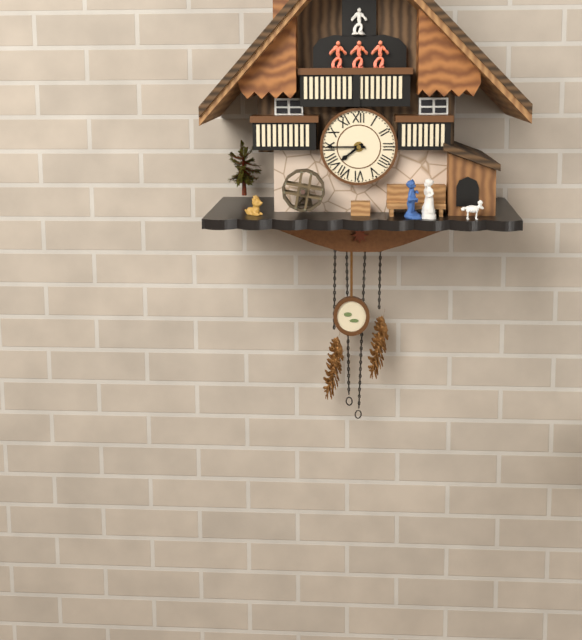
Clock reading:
7.45
